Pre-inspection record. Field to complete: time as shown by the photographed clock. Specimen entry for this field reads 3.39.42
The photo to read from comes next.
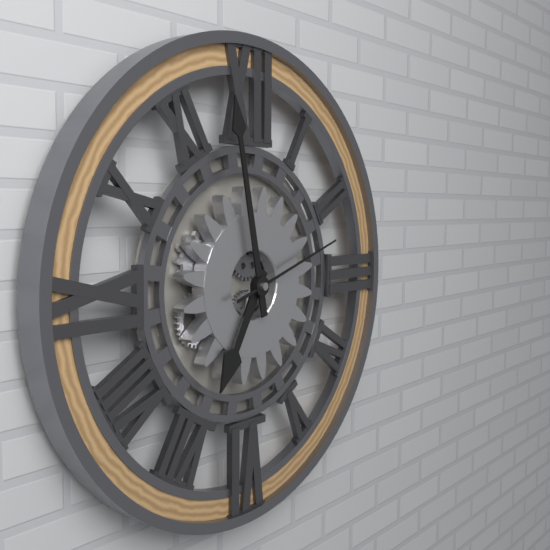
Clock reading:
6.58.12
